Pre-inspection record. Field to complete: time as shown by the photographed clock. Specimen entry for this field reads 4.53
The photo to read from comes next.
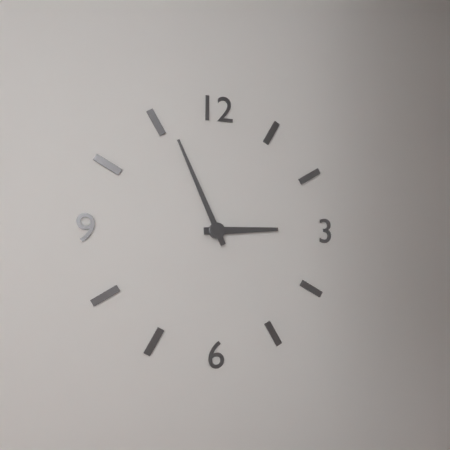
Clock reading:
2.56
